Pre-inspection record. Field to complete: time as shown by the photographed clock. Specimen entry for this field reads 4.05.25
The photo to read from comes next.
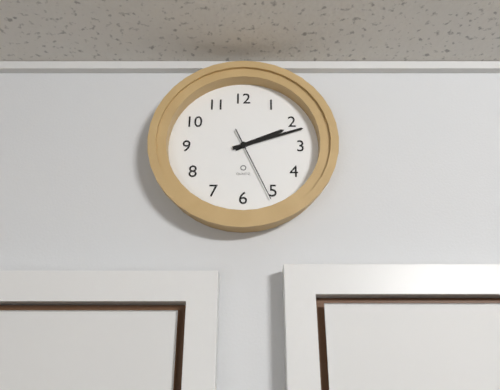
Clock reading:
2.12.26
